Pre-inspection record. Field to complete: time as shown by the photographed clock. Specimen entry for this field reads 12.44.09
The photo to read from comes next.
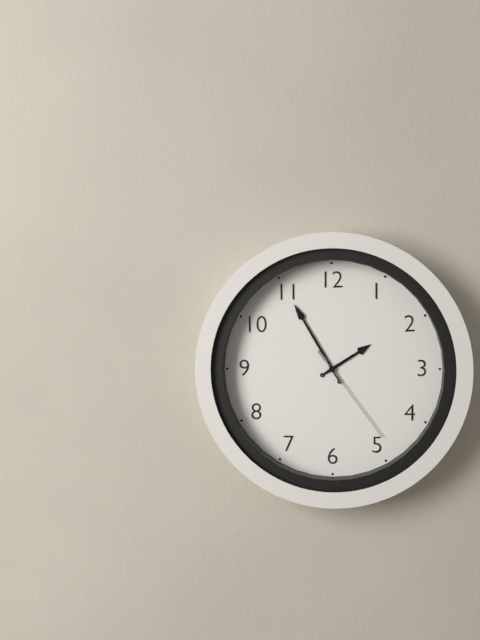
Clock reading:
1.55.24
